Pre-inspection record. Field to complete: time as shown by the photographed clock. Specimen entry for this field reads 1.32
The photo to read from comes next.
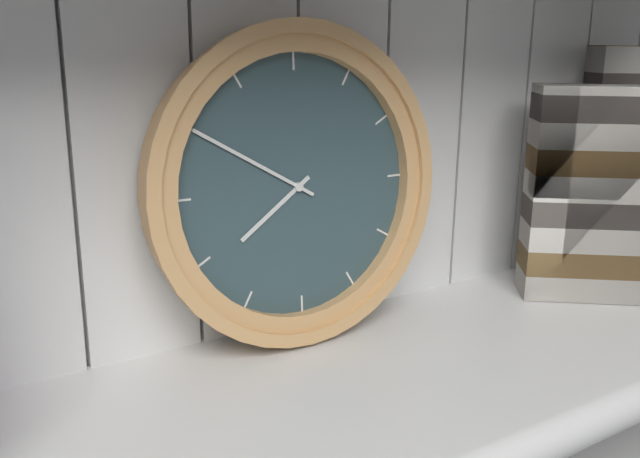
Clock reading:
7.50
